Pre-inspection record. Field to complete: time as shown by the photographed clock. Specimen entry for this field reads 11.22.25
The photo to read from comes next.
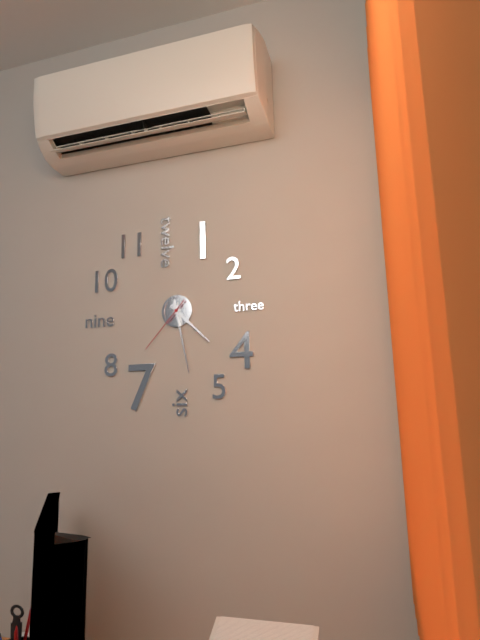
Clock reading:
4.28.37
